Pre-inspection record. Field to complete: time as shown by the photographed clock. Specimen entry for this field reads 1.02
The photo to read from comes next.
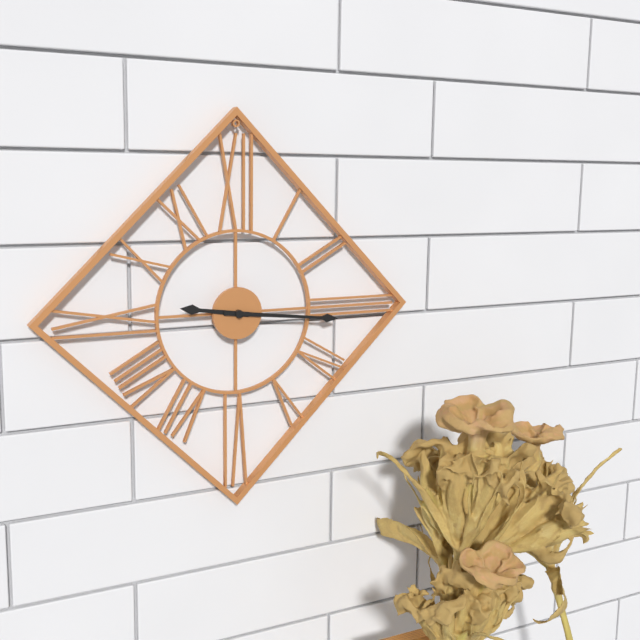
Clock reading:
9.16
